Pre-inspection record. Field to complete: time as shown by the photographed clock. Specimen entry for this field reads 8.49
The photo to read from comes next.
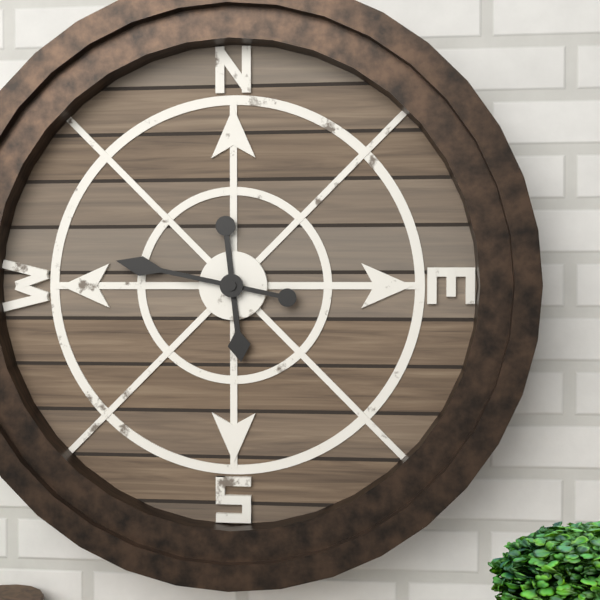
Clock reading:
5.47
